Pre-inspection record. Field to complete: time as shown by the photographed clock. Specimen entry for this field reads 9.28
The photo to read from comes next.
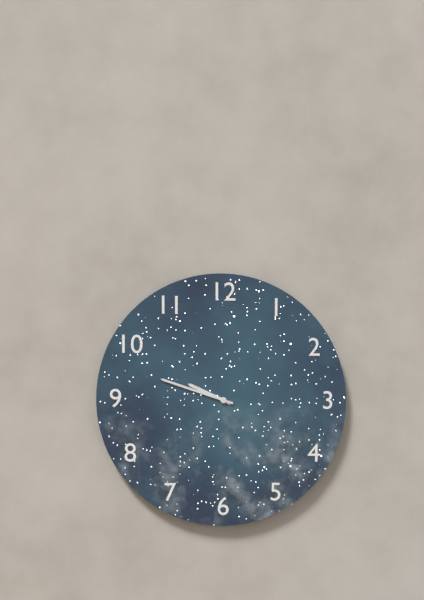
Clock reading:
9.48
